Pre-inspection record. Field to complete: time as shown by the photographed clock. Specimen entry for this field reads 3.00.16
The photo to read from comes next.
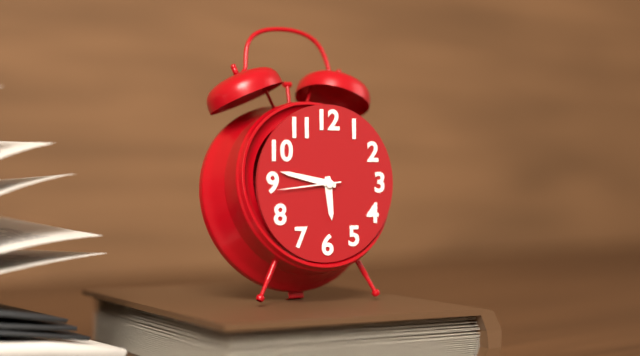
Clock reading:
5.47.44
